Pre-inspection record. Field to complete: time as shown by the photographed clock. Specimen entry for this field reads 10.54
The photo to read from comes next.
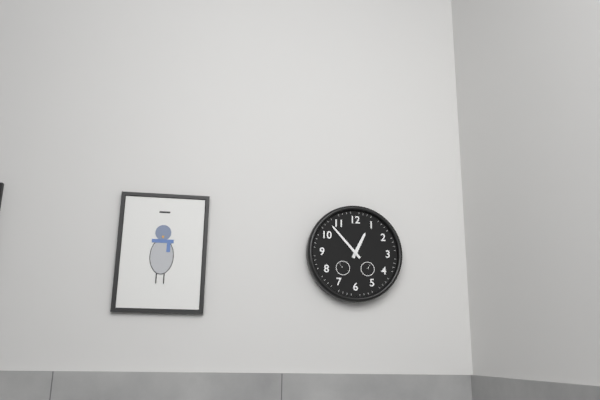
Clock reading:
12.53
